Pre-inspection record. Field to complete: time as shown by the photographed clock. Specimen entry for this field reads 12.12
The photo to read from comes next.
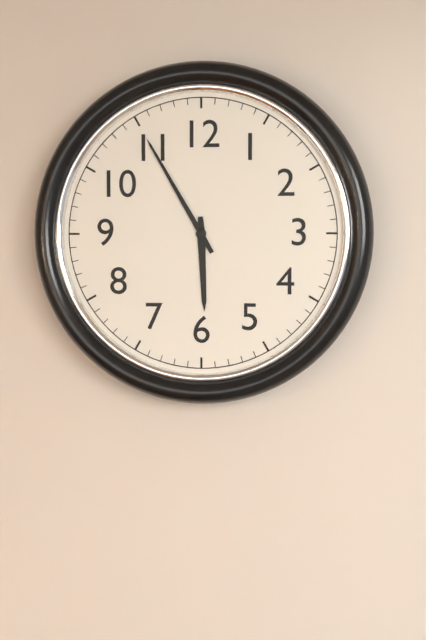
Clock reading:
5.55
